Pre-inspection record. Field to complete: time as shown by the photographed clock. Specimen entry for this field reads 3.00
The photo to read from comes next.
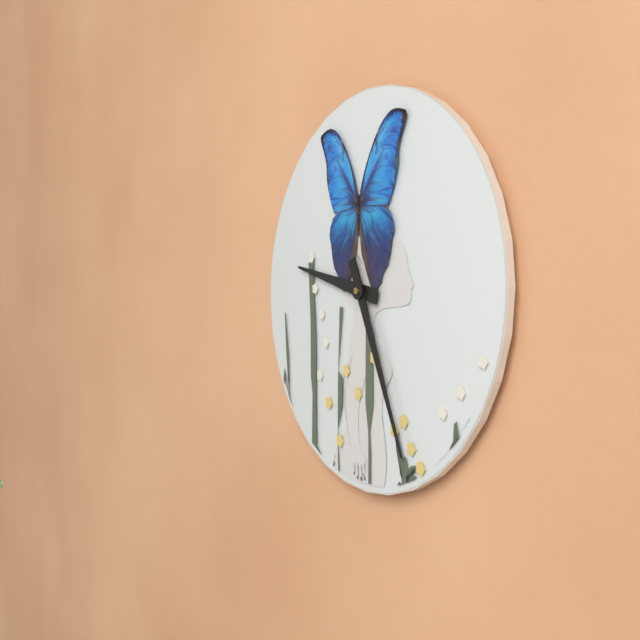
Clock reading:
9.26
